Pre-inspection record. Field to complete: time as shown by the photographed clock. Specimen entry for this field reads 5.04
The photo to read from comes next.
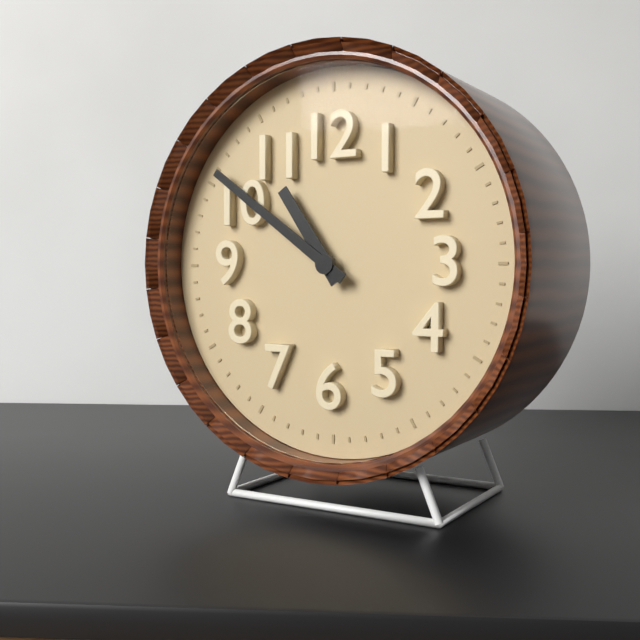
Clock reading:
10.51
